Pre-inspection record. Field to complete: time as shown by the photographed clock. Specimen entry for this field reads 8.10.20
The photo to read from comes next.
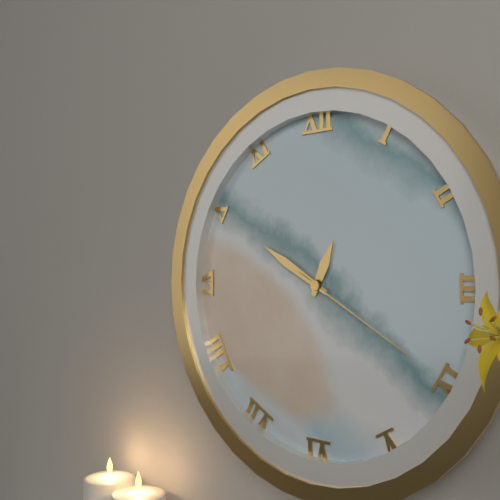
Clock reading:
12.50.20
